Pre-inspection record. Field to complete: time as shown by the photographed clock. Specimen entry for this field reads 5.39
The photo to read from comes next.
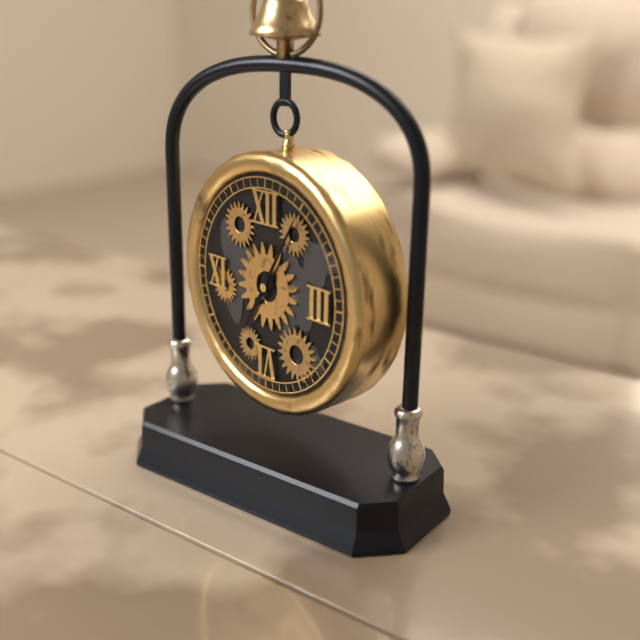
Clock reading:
7.05
